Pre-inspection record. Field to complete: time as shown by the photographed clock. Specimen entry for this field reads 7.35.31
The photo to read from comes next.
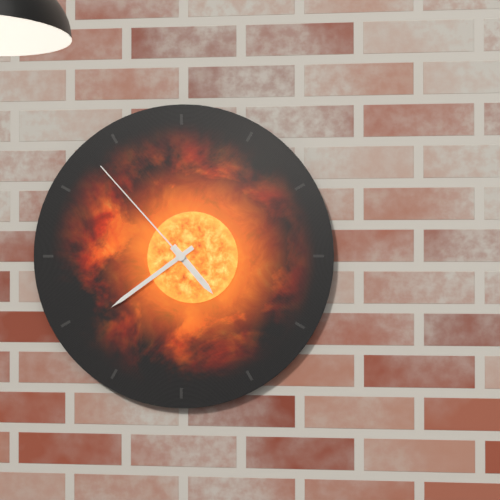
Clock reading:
4.39.53
